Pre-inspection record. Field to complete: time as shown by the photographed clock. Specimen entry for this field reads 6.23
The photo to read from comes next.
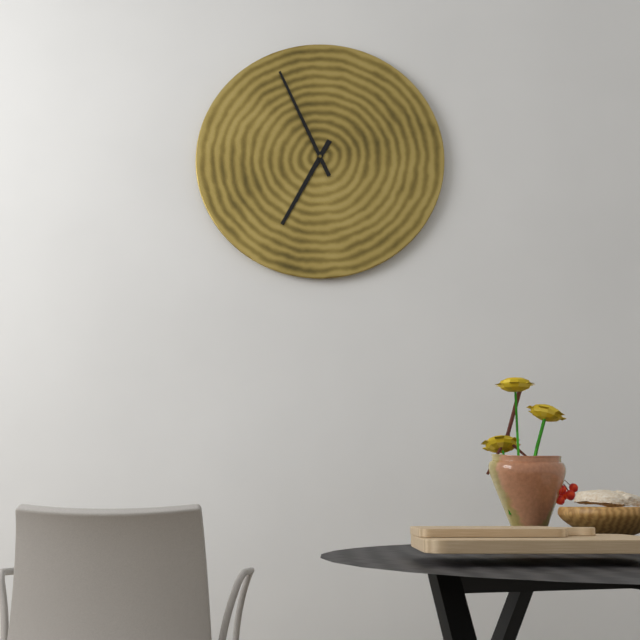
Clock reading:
6.56
